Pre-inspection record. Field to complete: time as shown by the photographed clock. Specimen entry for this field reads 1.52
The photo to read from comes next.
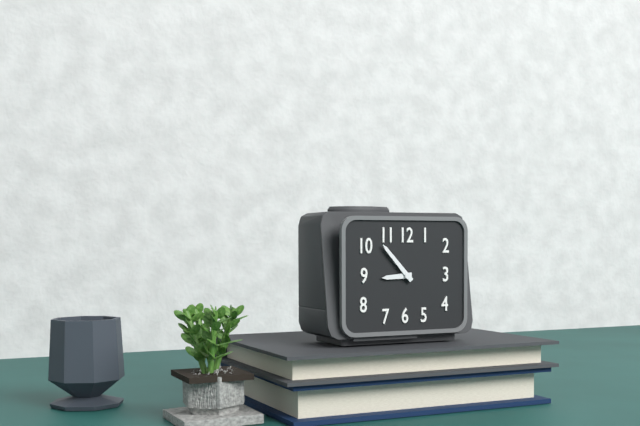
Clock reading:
8.53
